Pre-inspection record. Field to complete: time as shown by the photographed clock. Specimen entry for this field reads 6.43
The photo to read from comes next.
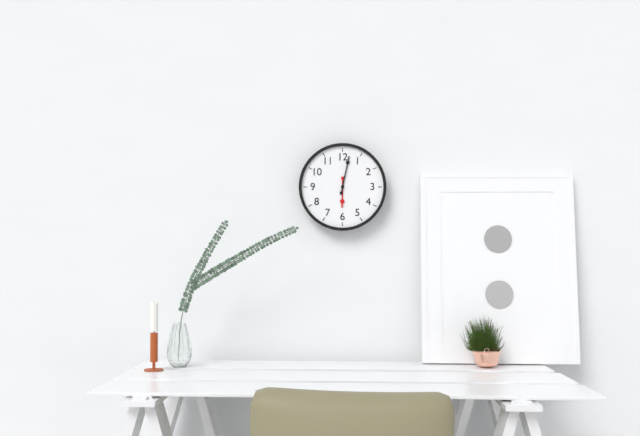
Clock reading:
6.02
